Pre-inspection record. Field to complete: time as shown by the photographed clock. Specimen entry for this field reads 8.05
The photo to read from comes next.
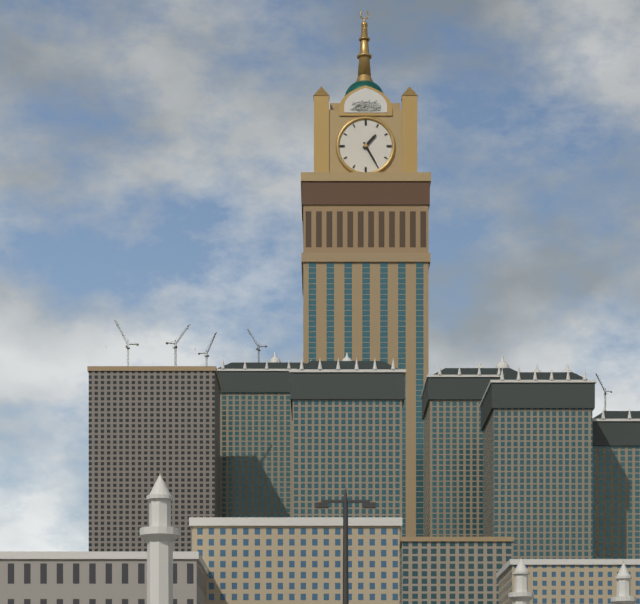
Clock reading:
1.25
